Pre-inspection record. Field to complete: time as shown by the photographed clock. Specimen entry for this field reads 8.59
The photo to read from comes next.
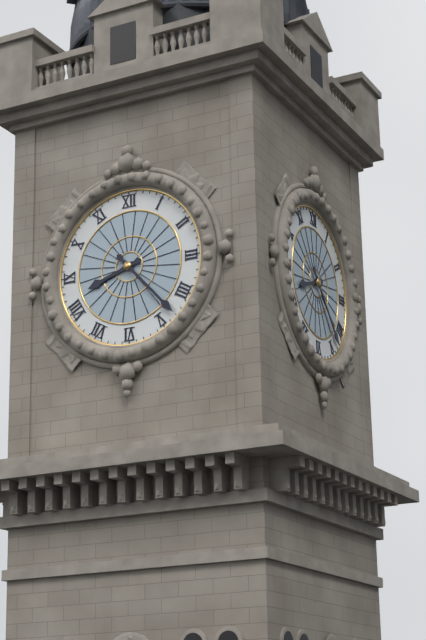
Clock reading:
8.23
